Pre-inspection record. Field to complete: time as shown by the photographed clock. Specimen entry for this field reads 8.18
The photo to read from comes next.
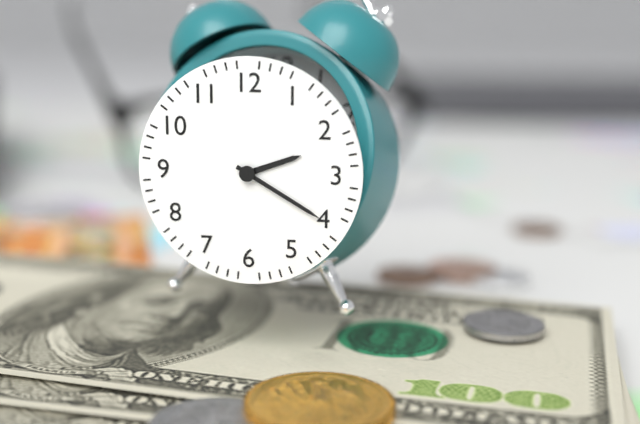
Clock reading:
2.20
